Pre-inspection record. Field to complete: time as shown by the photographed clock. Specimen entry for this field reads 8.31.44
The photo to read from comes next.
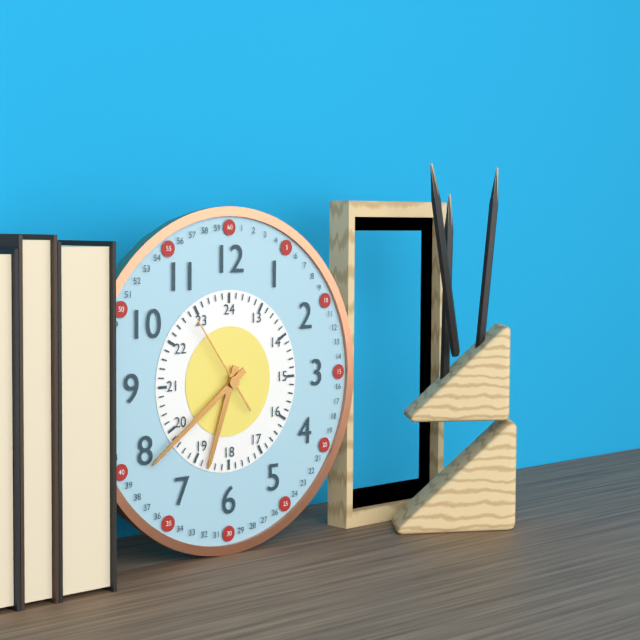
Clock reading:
6.39.54
